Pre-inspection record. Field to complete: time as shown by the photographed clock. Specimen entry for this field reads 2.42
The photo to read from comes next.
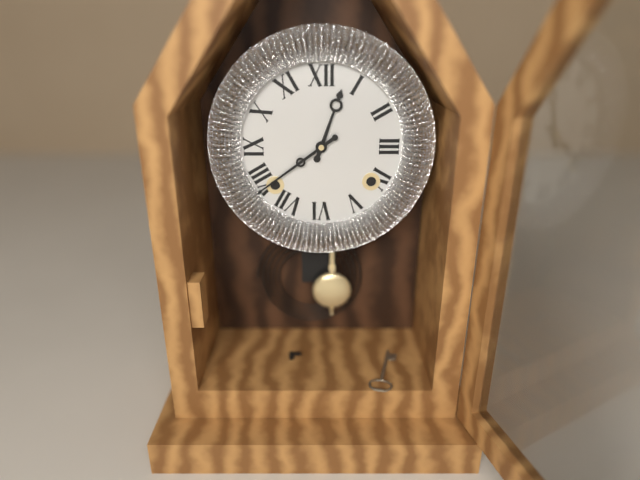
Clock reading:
12.39
